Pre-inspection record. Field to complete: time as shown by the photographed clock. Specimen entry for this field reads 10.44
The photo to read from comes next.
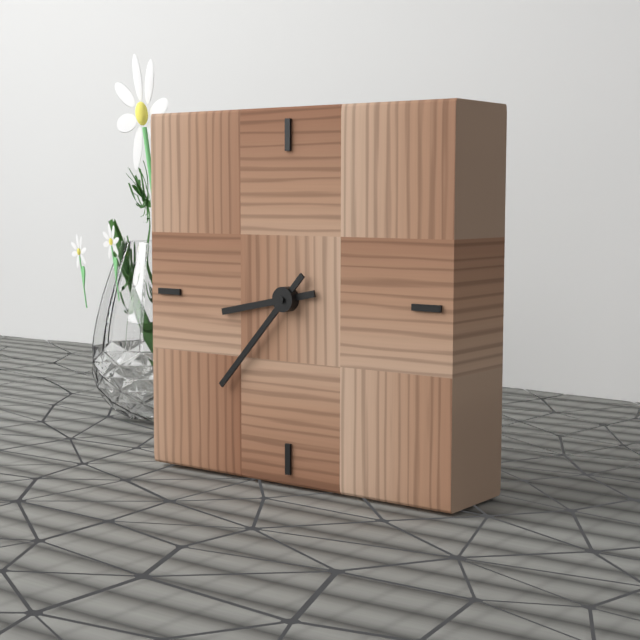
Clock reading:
8.37
